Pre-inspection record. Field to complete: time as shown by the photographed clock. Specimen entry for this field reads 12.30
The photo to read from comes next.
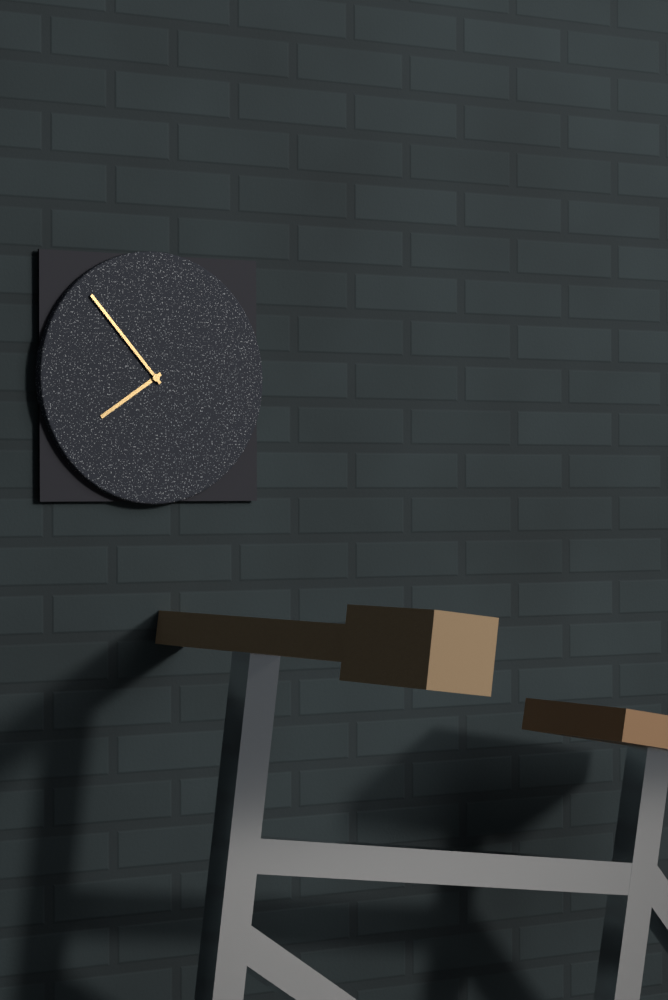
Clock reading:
7.53
